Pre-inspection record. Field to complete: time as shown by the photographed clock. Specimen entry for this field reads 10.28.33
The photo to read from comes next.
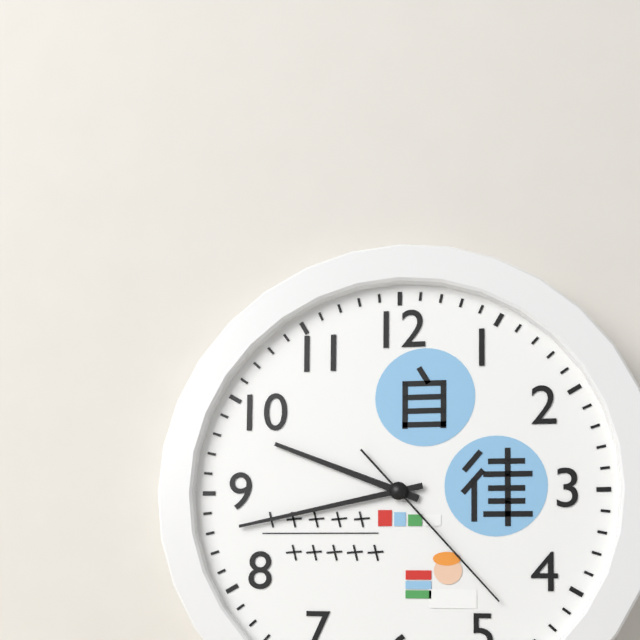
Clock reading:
9.43.23
